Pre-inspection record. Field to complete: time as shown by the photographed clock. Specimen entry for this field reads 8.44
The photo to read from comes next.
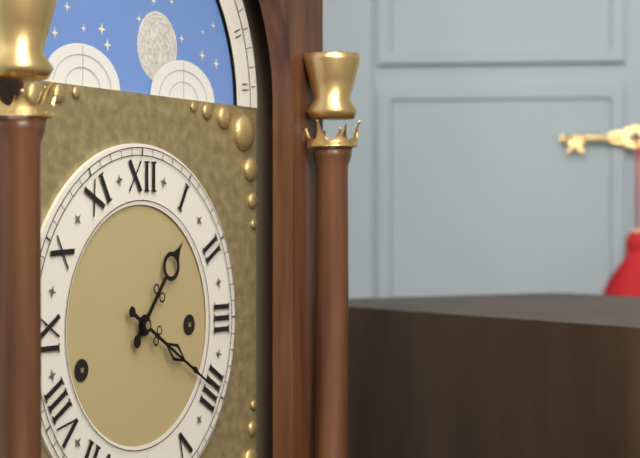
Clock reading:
1.20
